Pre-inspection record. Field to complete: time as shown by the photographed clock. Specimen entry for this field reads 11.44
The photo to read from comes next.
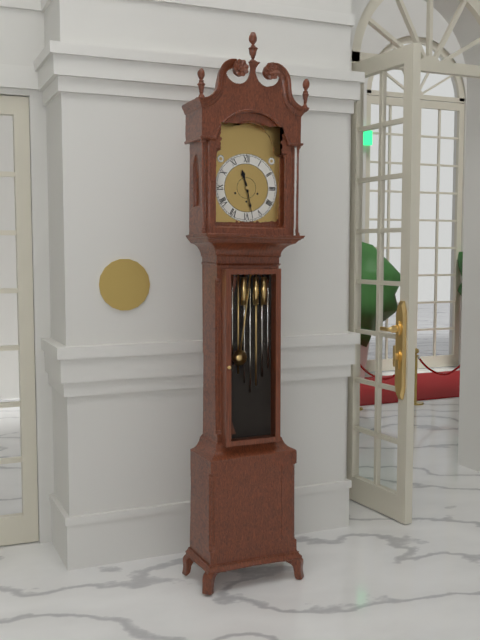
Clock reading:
11.28
